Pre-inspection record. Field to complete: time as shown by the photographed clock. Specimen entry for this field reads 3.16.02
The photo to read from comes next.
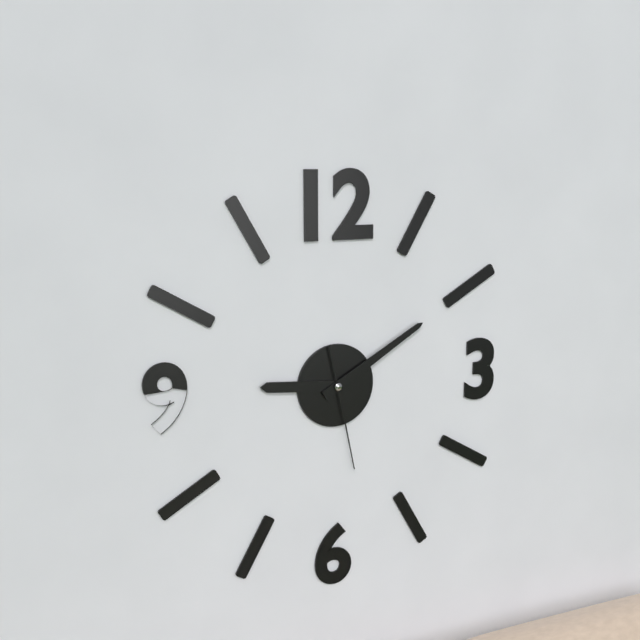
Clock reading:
9.10.28
